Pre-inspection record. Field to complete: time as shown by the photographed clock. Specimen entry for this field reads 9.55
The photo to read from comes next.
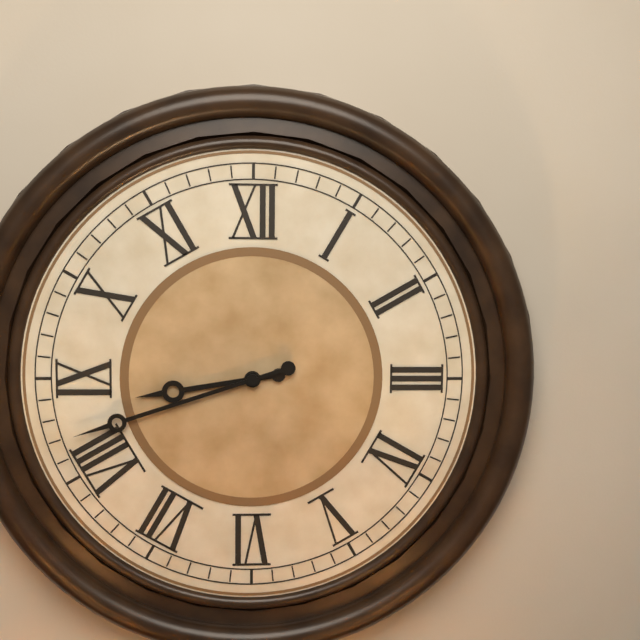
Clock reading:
8.42
